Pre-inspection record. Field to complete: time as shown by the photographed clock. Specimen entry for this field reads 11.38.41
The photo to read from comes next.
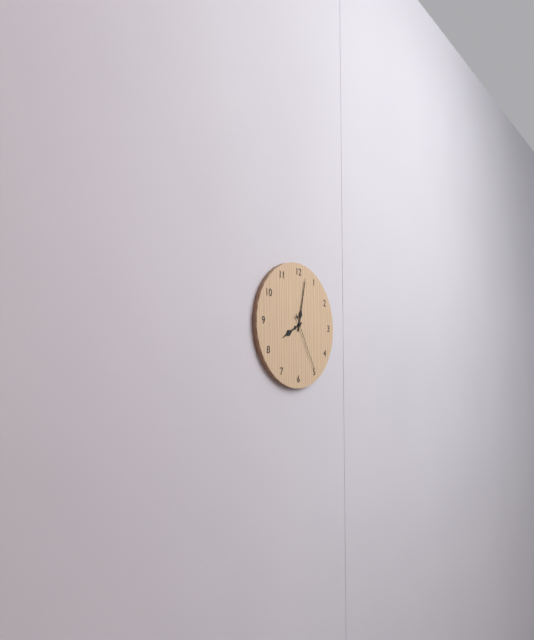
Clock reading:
8.02.25
